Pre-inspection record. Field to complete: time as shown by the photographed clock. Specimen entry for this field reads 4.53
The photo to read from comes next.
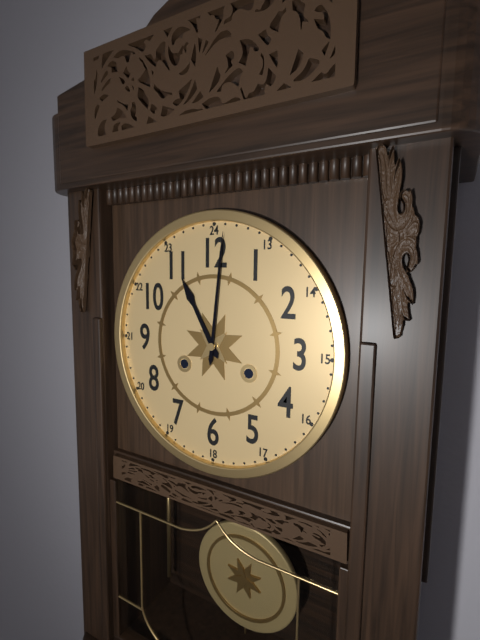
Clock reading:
11.01
